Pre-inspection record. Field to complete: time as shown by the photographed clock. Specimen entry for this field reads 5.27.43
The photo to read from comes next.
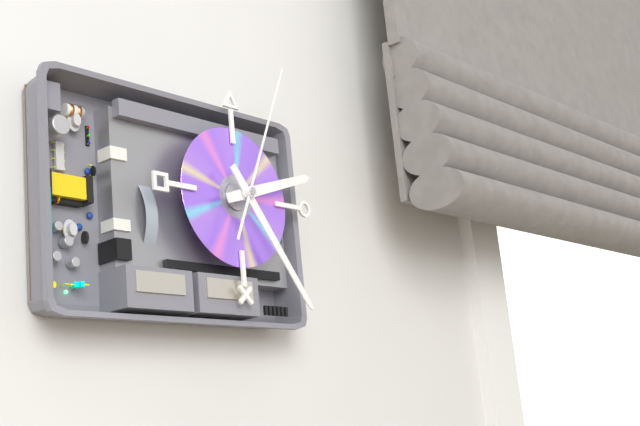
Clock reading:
2.24.04
